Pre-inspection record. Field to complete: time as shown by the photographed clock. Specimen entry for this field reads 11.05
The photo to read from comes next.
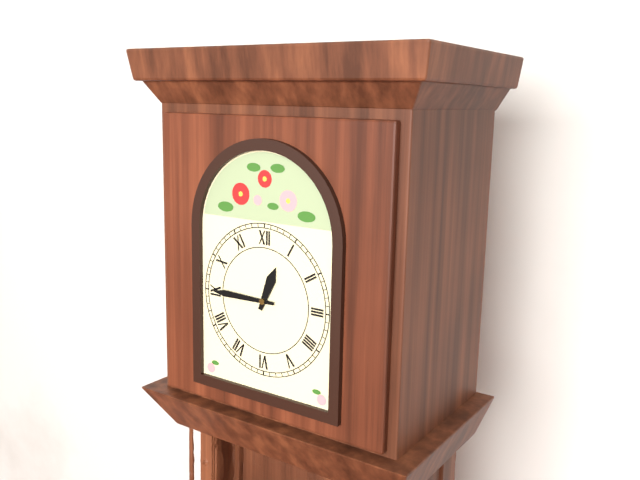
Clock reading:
12.45
